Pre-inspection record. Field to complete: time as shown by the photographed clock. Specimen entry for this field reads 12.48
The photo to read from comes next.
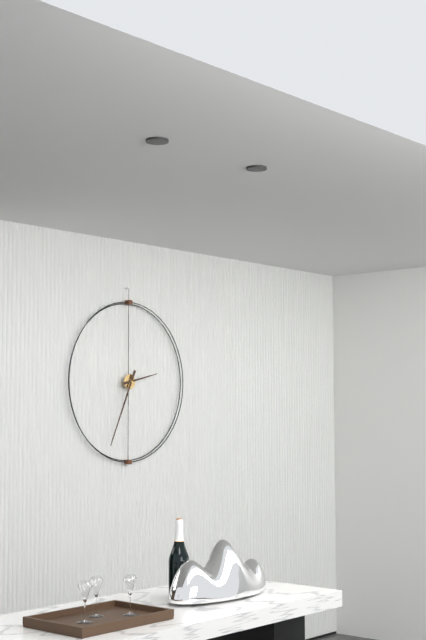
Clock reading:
2.34
